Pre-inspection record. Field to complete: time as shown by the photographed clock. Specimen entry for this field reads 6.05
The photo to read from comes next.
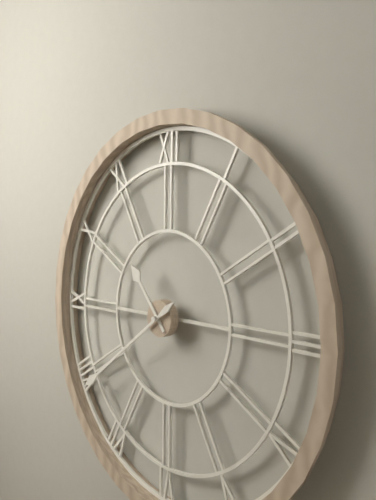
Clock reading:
10.39
